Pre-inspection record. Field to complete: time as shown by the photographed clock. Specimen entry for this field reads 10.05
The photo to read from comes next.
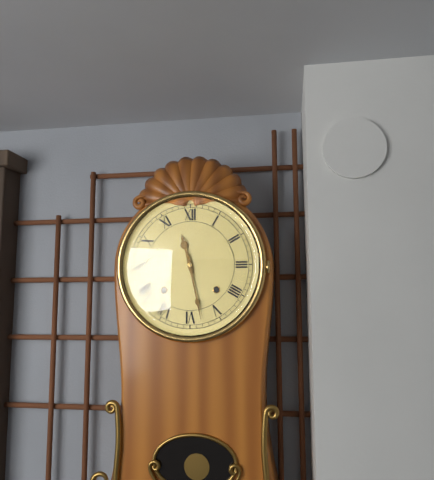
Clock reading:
11.28
